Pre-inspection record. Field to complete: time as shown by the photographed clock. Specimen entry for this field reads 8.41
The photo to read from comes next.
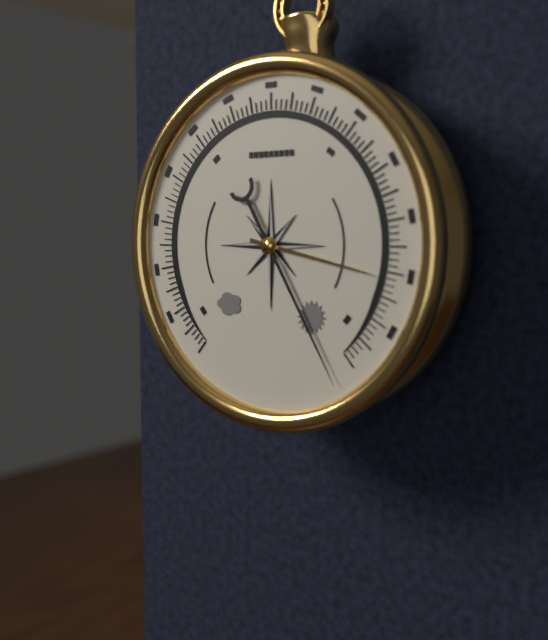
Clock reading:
3.25
